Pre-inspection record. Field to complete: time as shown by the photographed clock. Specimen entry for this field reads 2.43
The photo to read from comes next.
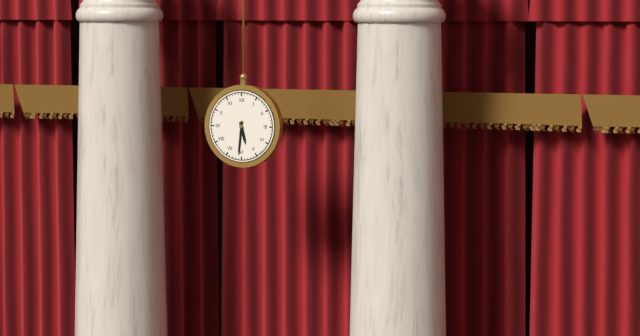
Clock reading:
5.31
